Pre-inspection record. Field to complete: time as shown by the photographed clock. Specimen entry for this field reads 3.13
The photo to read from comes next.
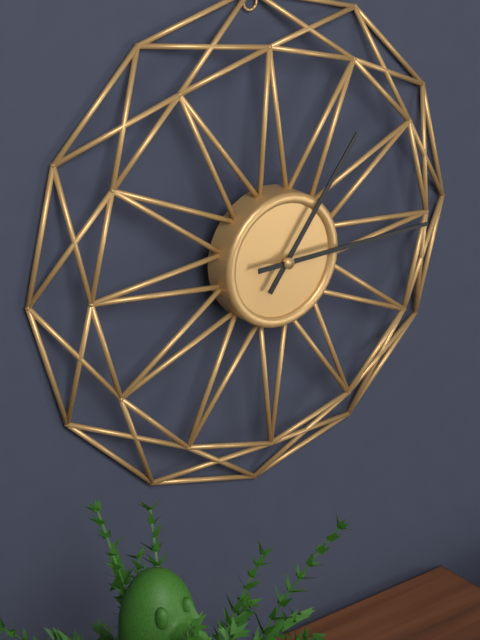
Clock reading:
1.15
